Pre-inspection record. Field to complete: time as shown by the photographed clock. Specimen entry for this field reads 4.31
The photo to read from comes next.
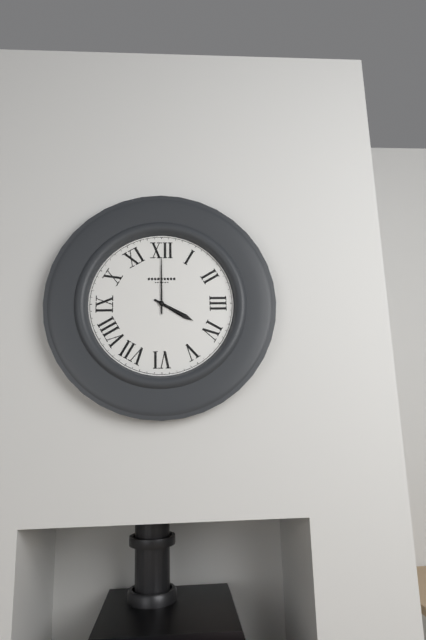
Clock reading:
4.00
